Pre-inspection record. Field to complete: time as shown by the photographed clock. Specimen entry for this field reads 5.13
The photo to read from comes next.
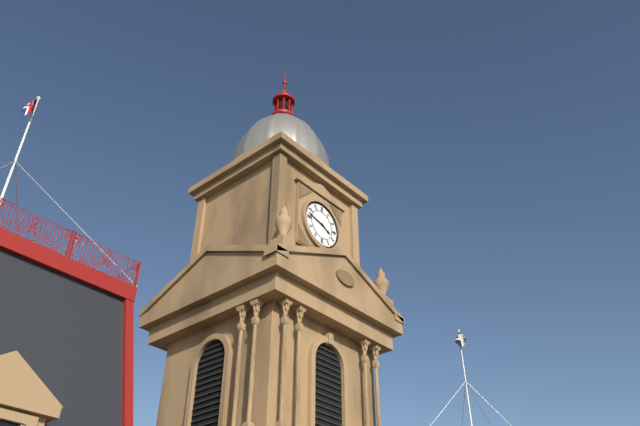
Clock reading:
3.47
